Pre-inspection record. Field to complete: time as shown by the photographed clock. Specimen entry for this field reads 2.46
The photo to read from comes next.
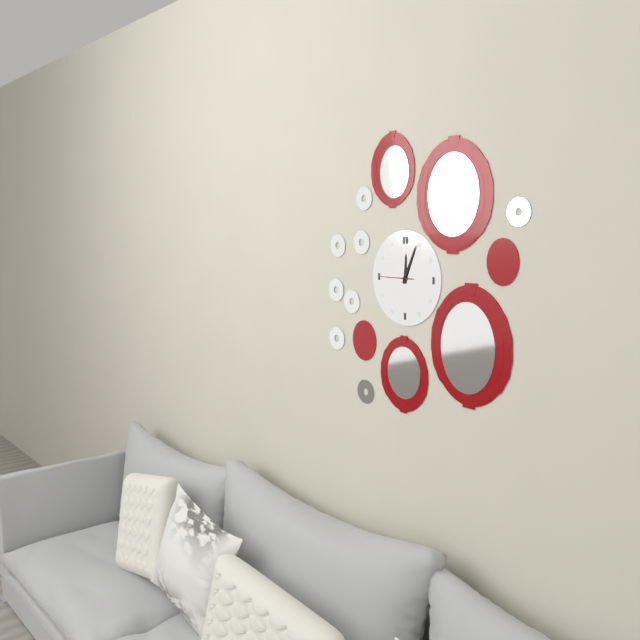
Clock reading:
12.04
